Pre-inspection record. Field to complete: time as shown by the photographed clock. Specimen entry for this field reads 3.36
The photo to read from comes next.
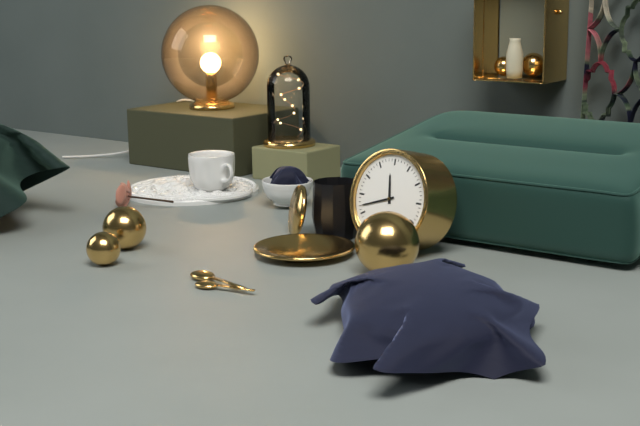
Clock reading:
11.42
